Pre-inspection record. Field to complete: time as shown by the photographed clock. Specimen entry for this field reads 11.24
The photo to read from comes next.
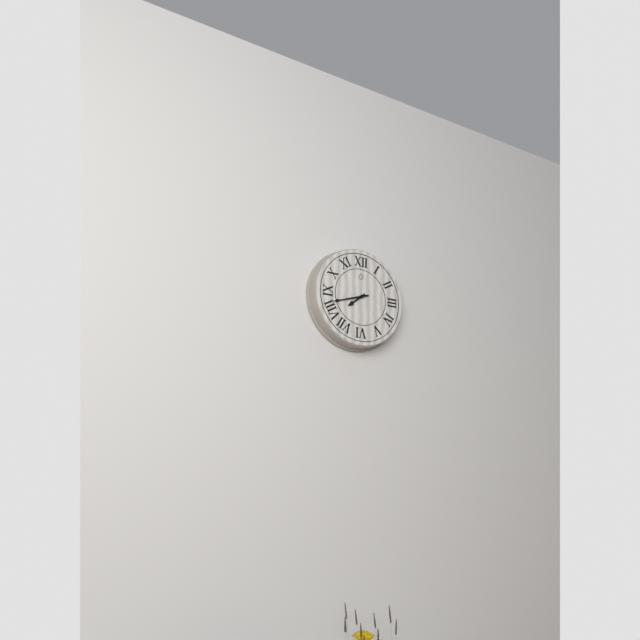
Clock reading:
7.42
